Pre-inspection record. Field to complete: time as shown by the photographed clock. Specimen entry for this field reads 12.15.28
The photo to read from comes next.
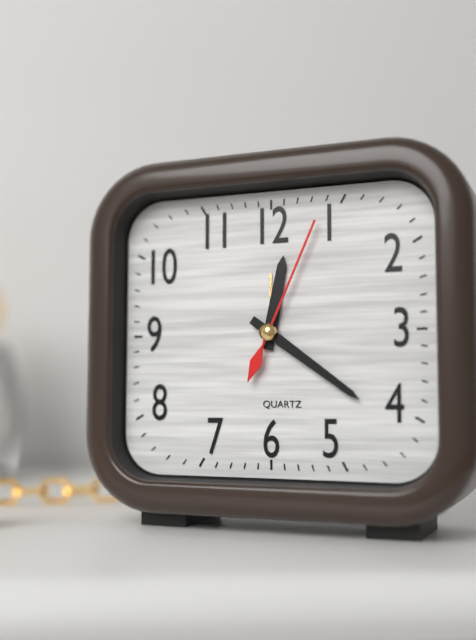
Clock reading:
12.21.04
